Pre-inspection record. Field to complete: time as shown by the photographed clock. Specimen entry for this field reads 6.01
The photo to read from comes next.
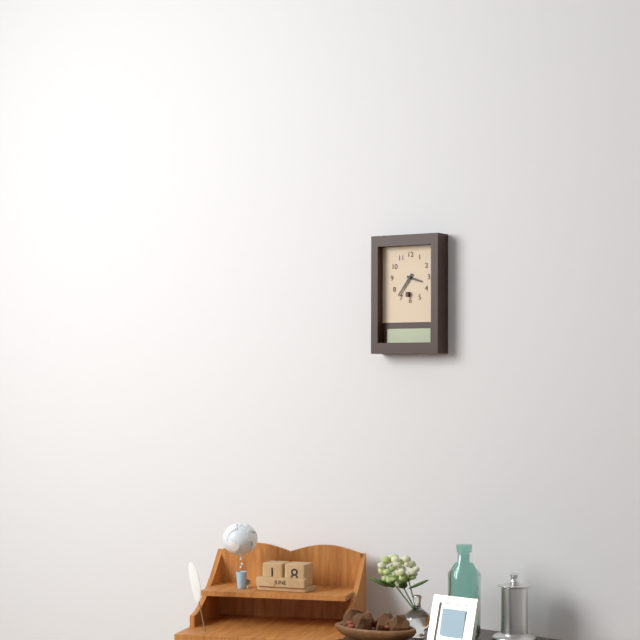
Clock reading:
3.36
